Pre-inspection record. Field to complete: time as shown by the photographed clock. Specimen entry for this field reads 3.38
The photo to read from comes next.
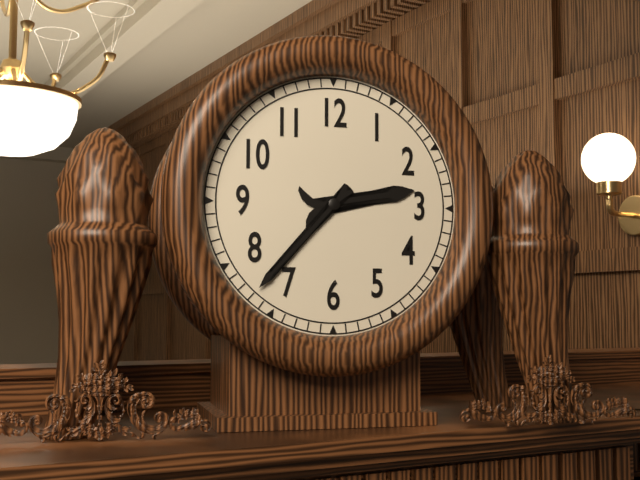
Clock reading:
2.37
